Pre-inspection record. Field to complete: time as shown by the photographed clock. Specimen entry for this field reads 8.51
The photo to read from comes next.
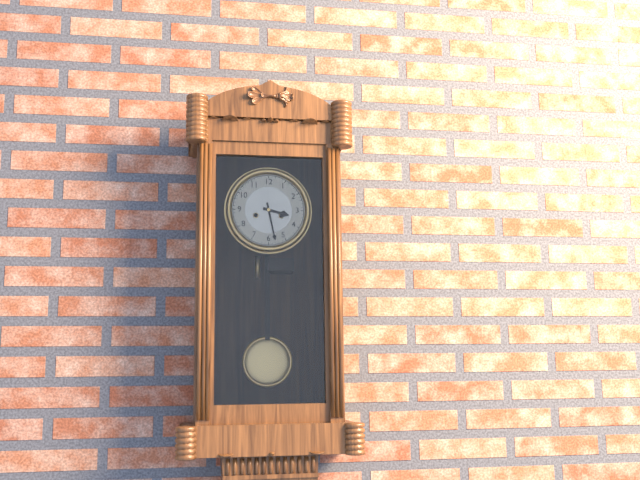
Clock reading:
3.28
